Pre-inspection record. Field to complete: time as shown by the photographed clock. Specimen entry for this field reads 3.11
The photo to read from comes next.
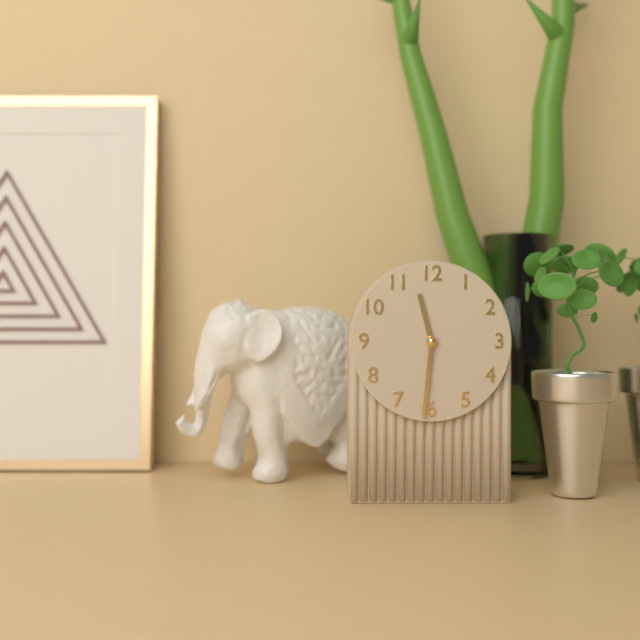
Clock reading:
11.31
